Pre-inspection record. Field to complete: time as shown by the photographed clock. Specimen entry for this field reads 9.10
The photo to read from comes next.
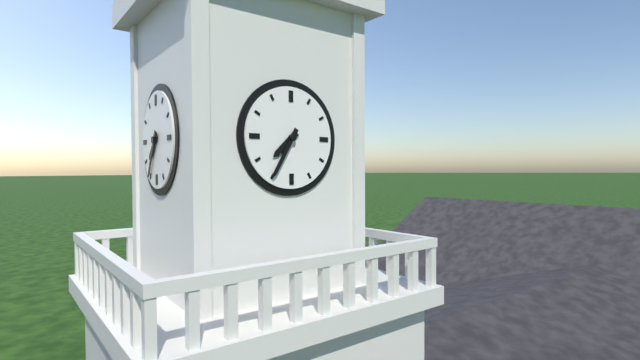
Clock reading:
7.35
